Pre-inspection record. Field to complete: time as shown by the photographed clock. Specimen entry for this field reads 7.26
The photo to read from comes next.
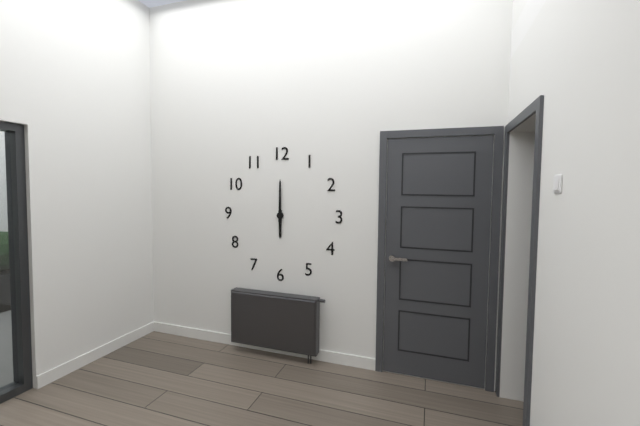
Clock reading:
6.00
